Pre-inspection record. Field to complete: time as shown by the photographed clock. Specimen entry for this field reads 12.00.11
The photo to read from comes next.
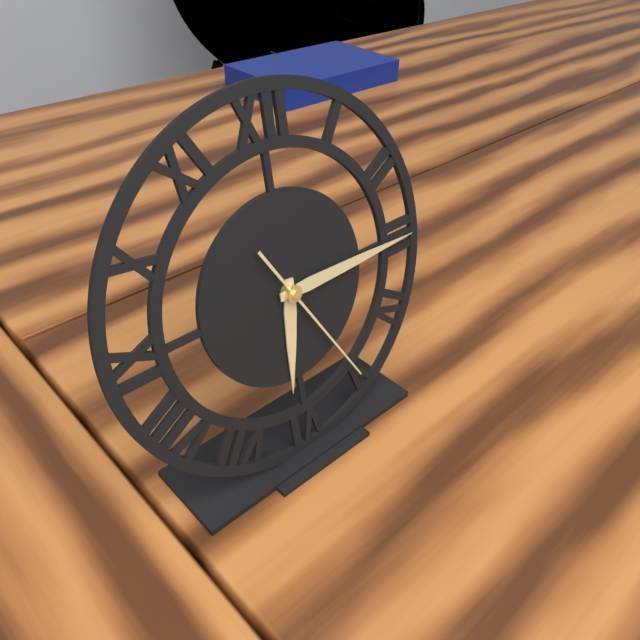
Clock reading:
6.15.25
